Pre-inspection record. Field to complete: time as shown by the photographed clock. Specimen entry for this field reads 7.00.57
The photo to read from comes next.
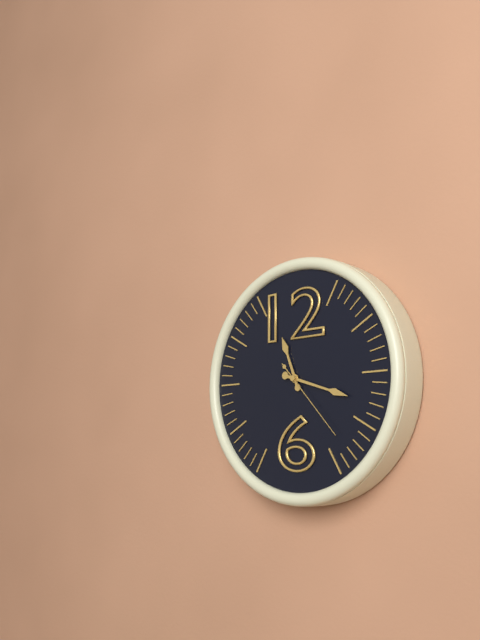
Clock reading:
11.18.23
